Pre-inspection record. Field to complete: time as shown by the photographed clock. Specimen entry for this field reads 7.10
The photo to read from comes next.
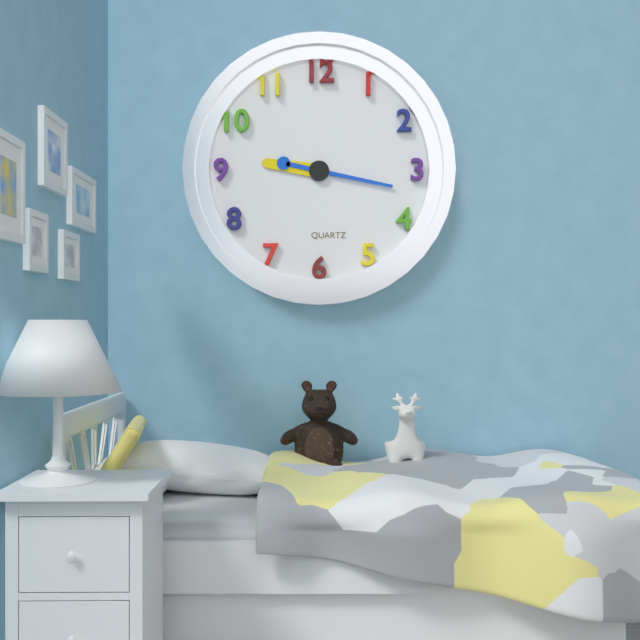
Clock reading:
9.17
